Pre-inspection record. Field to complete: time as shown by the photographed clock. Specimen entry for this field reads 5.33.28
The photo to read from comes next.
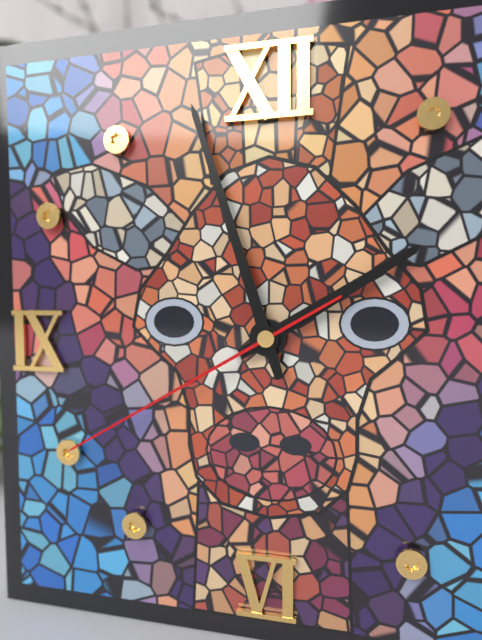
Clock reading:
1.57.40
